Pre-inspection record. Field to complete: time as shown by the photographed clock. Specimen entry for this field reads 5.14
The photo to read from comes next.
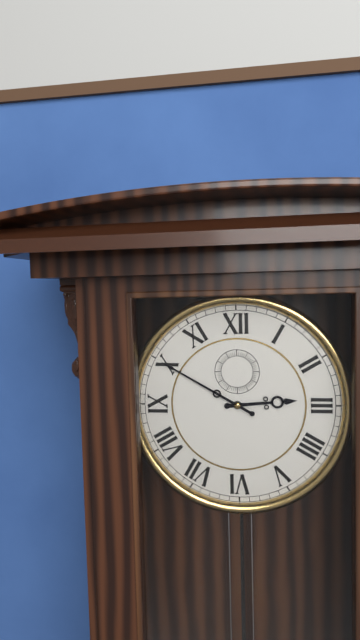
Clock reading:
2.50
